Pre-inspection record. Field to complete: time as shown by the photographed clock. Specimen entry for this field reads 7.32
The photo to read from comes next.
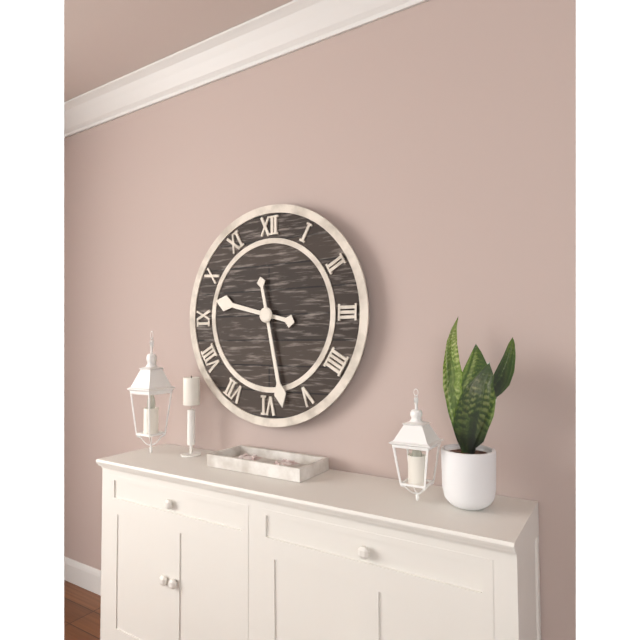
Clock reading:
9.28
